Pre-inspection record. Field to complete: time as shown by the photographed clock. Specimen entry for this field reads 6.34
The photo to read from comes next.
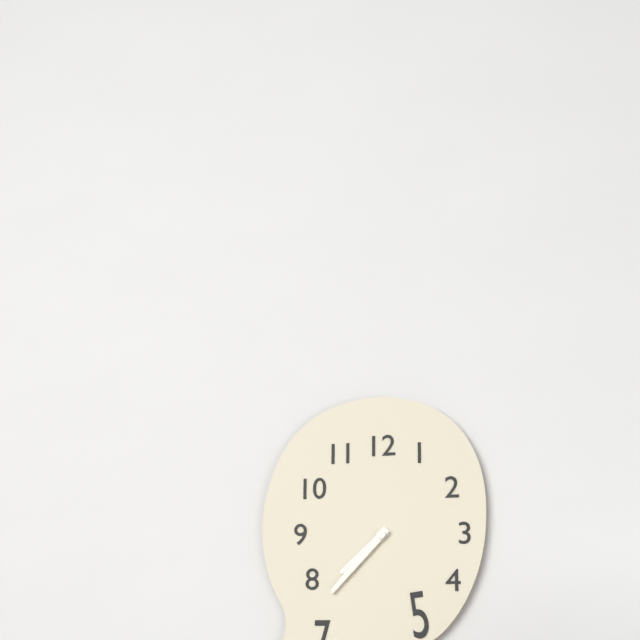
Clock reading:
7.37
